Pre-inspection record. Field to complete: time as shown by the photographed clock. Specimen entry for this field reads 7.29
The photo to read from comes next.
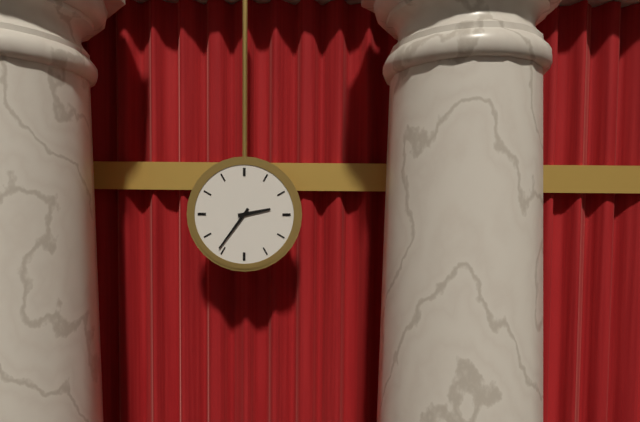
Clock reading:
2.36
